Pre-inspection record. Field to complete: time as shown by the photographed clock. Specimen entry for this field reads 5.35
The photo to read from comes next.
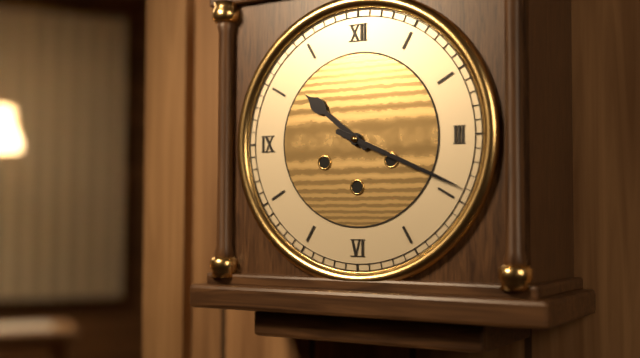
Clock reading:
10.19
